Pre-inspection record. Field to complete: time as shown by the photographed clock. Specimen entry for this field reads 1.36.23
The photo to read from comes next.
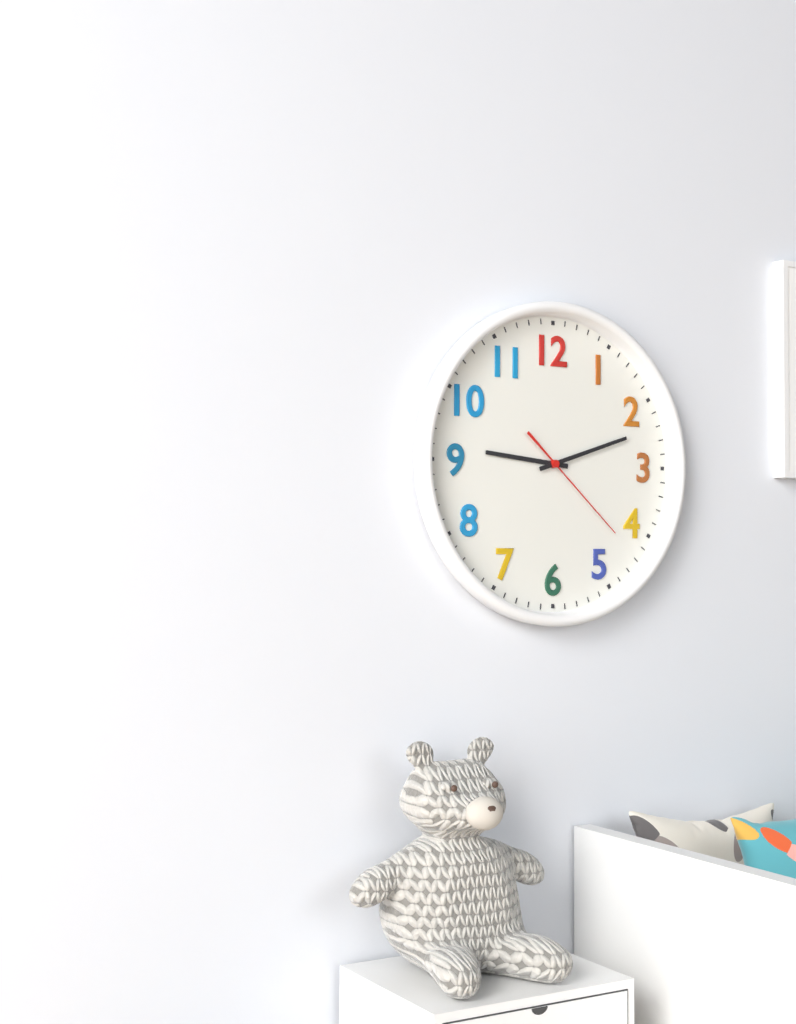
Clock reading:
9.12.22
